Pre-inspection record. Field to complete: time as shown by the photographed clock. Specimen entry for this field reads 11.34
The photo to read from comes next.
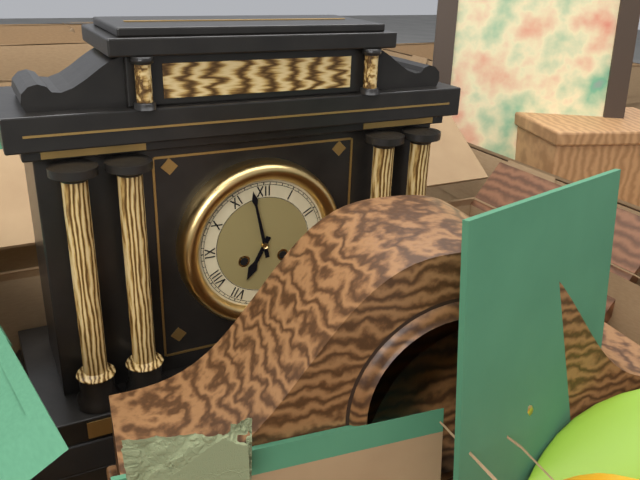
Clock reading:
6.58
